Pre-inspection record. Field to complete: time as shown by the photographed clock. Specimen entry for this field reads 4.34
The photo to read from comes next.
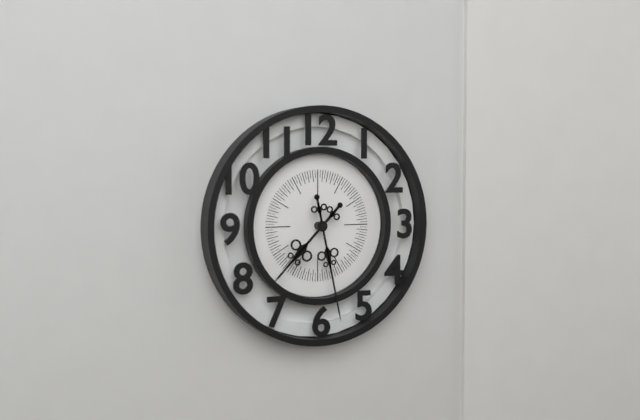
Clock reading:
7.28
